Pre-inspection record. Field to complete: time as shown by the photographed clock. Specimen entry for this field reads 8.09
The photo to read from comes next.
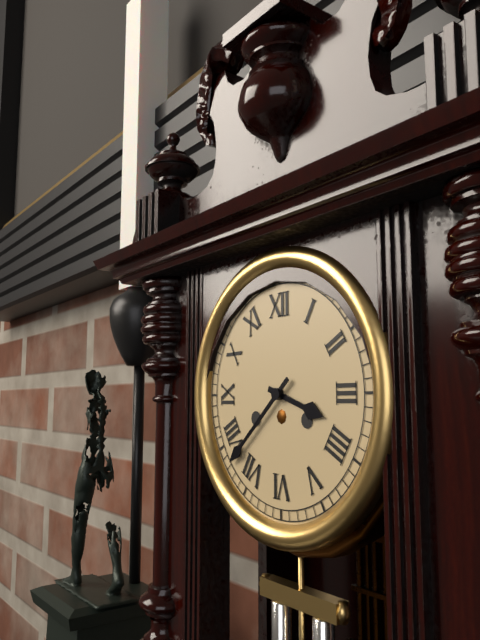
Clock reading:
3.38
